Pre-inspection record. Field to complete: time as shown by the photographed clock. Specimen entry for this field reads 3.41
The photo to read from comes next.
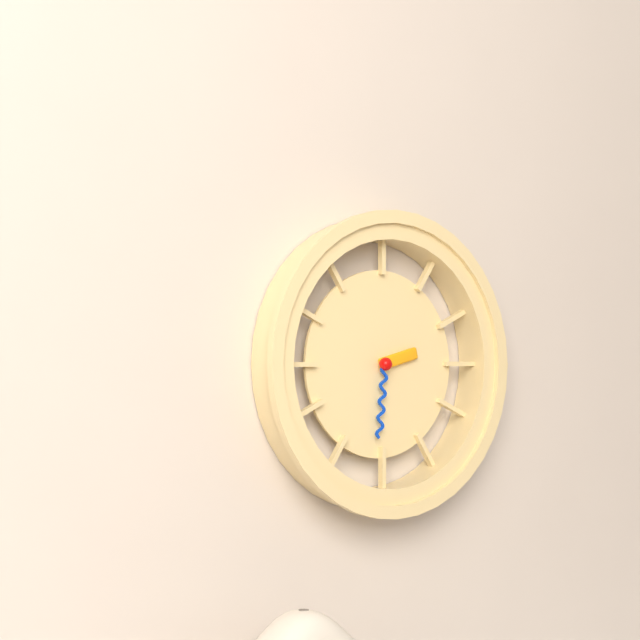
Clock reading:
2.31
